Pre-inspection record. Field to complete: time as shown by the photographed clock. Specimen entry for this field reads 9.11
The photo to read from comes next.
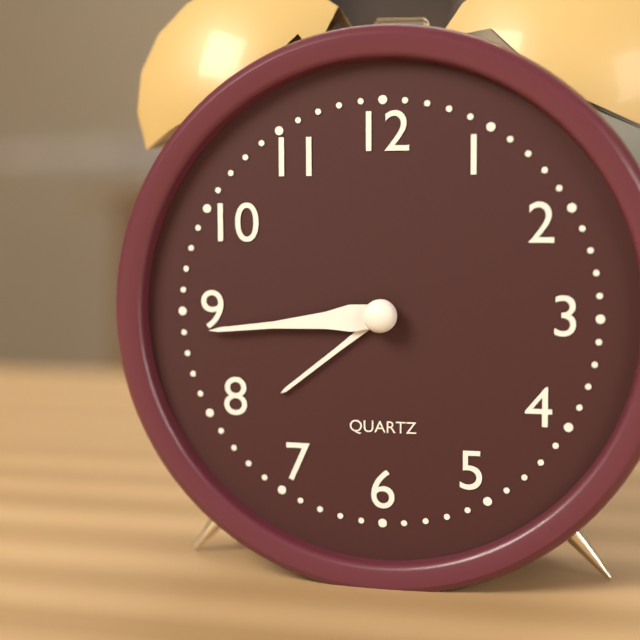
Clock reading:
7.44
